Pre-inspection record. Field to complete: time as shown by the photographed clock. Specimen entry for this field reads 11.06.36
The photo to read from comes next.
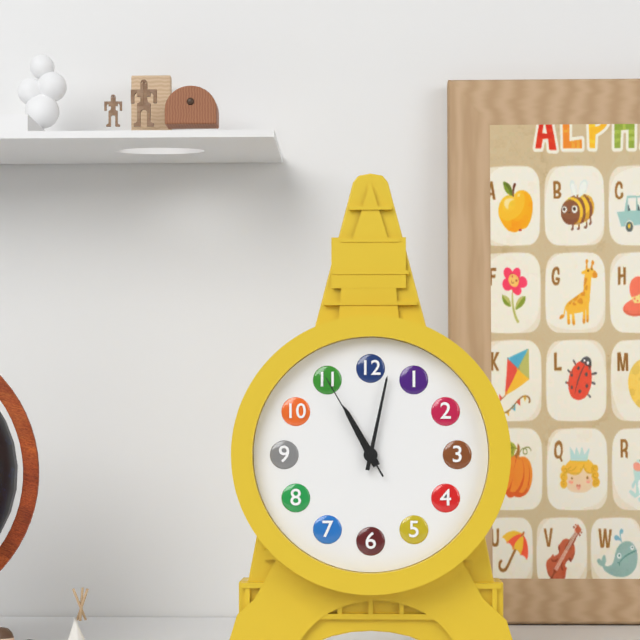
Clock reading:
11.02.55
